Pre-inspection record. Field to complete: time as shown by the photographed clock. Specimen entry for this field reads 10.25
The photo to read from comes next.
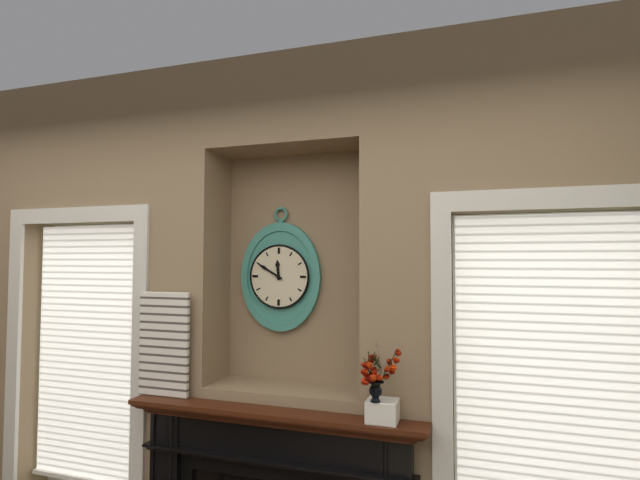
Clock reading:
11.50
